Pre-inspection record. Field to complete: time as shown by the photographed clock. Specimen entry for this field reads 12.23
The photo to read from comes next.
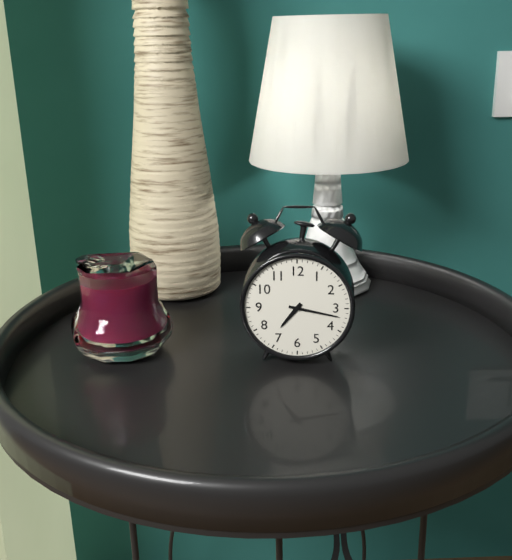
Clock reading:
7.17
